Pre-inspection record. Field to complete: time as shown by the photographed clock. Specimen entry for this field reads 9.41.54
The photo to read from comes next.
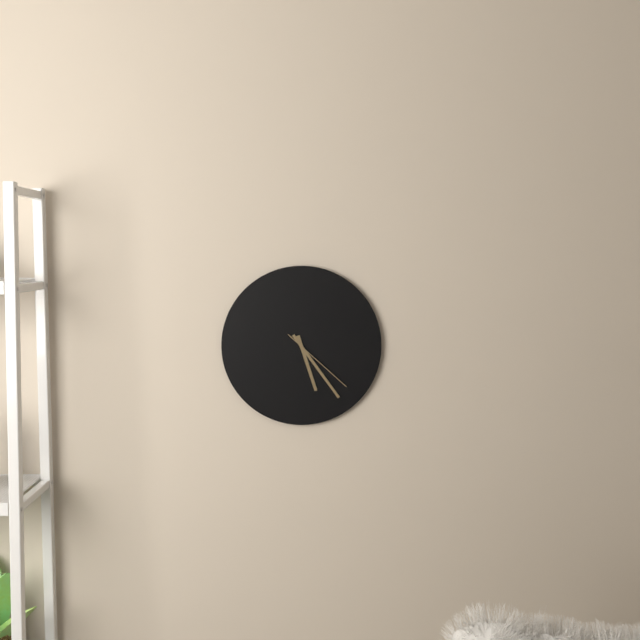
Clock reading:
5.24.22
